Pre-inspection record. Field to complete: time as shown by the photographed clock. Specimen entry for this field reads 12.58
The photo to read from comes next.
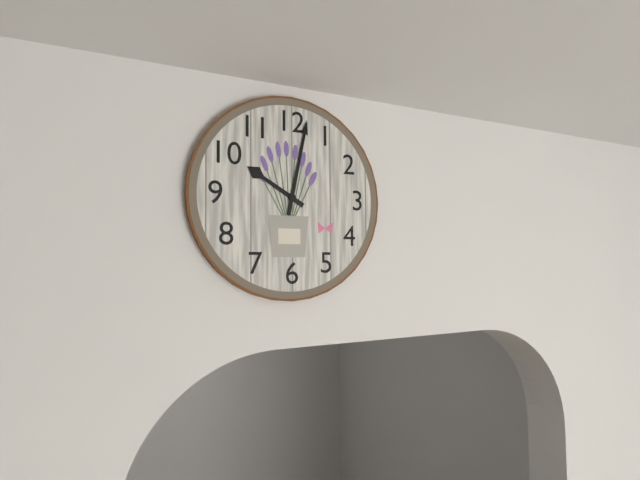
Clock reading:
10.02
